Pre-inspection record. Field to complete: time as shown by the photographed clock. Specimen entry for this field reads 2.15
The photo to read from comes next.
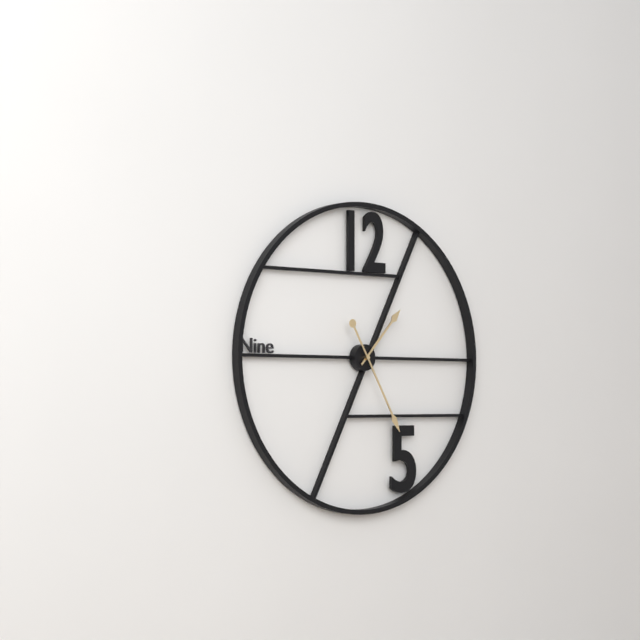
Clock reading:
1.25
